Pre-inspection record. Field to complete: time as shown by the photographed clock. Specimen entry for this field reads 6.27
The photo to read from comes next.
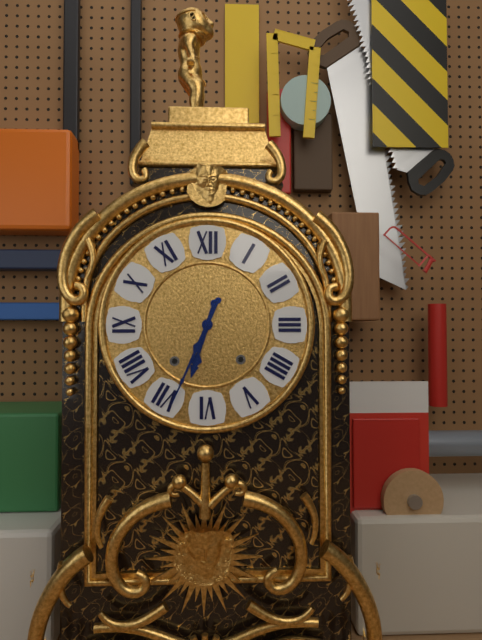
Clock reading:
6.34
